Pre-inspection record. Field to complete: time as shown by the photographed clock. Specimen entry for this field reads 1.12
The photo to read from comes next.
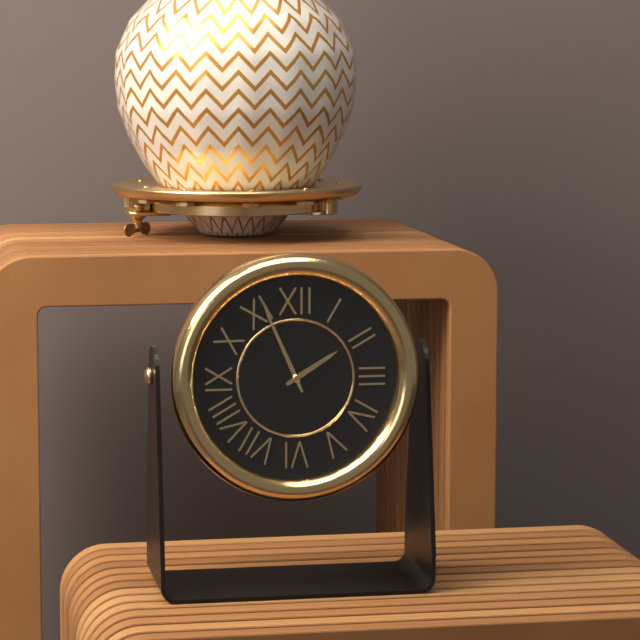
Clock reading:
1.56
